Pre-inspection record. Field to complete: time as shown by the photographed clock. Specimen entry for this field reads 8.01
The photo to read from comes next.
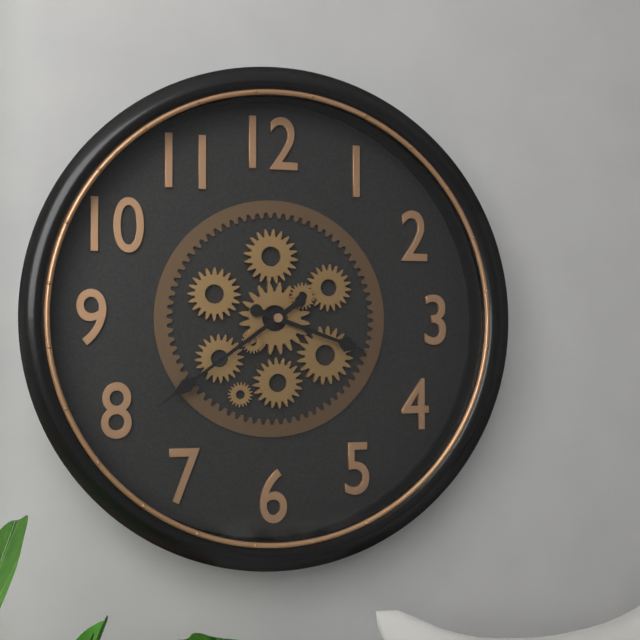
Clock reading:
3.39
